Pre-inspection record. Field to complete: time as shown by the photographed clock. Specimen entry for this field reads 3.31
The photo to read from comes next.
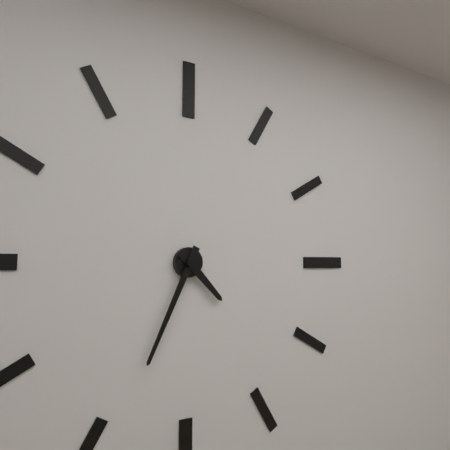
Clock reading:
4.34
